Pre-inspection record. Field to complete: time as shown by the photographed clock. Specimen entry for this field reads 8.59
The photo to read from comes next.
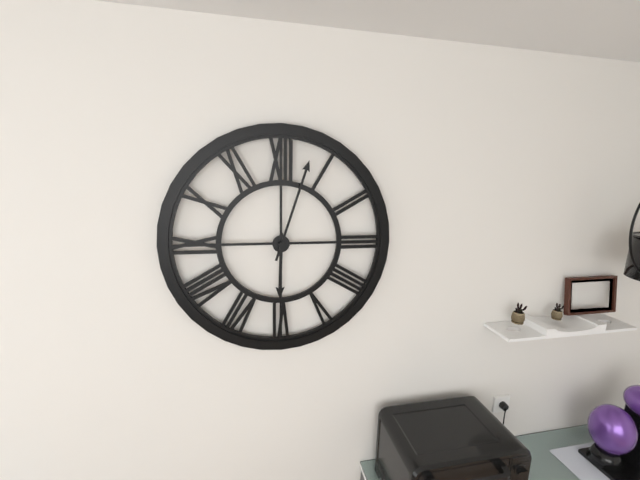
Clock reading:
6.03
